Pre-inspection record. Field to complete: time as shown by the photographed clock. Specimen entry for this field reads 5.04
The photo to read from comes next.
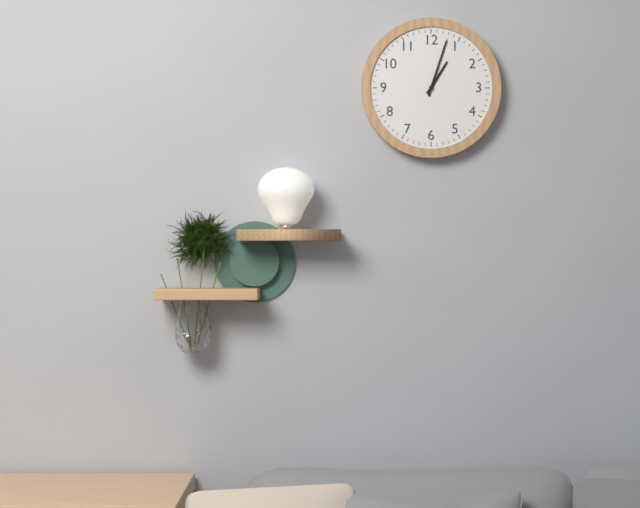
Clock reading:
1.03
